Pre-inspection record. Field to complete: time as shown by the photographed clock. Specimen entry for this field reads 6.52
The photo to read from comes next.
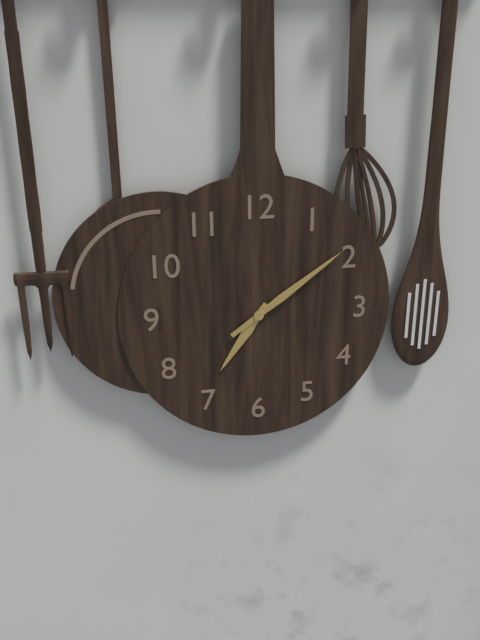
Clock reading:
7.09
